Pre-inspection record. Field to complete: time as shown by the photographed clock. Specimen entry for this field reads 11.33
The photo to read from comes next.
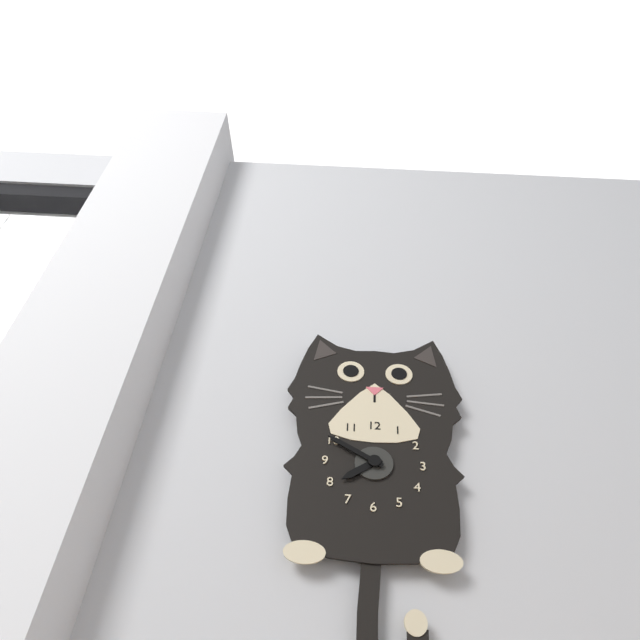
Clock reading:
7.50
